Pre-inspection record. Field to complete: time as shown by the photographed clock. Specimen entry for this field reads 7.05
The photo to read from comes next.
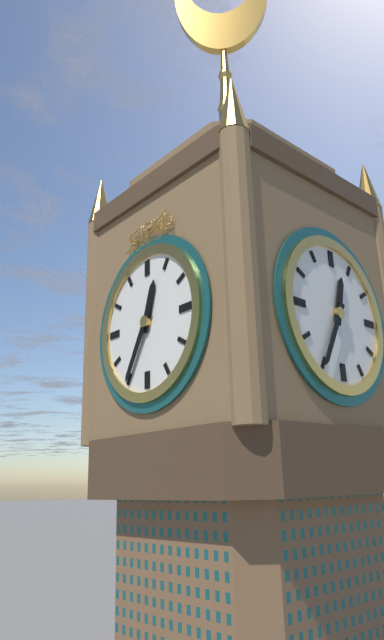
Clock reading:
12.35
